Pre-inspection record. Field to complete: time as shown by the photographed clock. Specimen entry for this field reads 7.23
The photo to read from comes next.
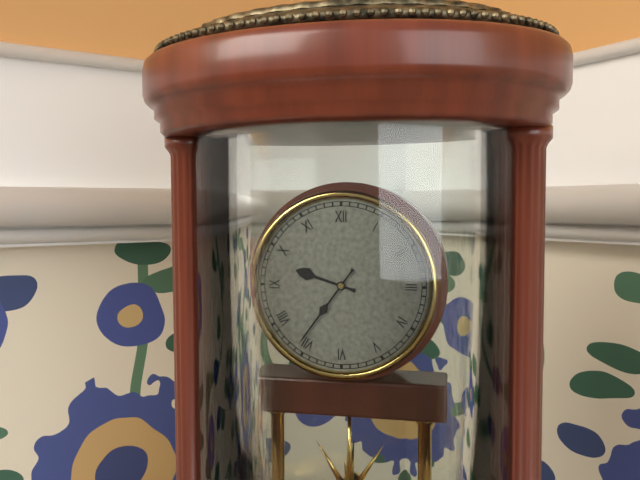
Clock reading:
9.36
